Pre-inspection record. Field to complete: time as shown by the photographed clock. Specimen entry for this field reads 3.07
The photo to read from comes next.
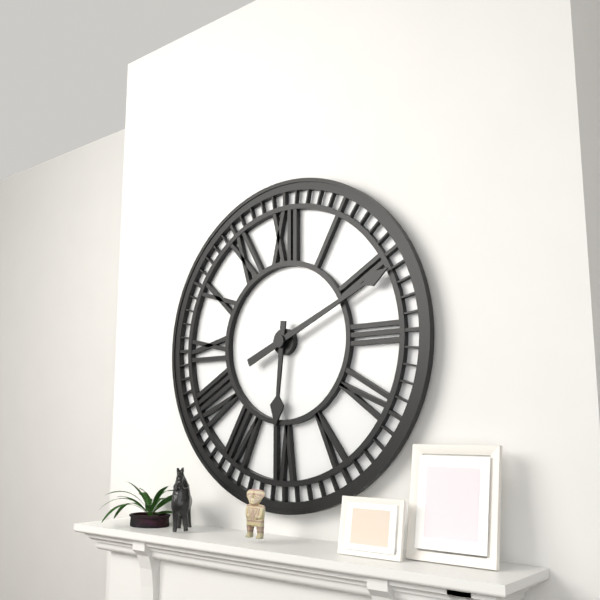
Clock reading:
6.11
